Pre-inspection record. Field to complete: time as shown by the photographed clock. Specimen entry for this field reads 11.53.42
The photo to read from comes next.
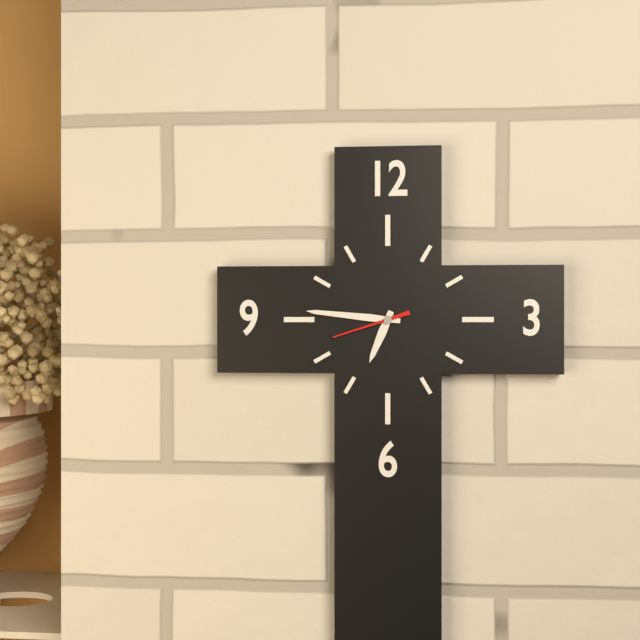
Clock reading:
6.46.42
